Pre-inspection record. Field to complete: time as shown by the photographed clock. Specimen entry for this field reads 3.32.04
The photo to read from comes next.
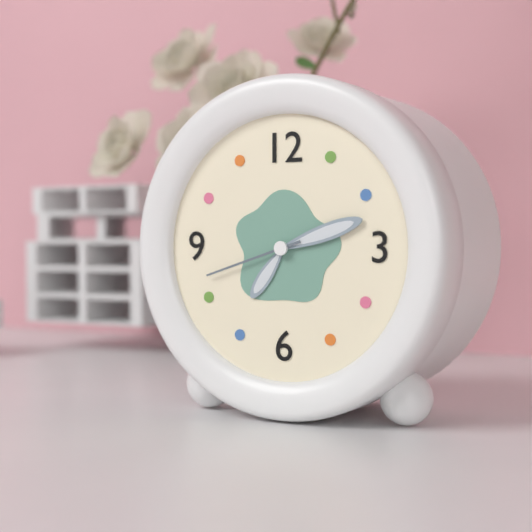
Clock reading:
7.12.42
